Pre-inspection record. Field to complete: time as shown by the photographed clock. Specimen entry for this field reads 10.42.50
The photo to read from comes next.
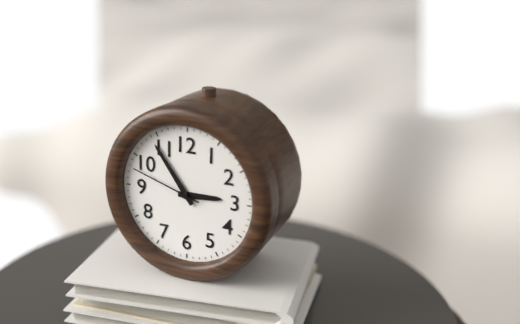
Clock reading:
2.54.48
